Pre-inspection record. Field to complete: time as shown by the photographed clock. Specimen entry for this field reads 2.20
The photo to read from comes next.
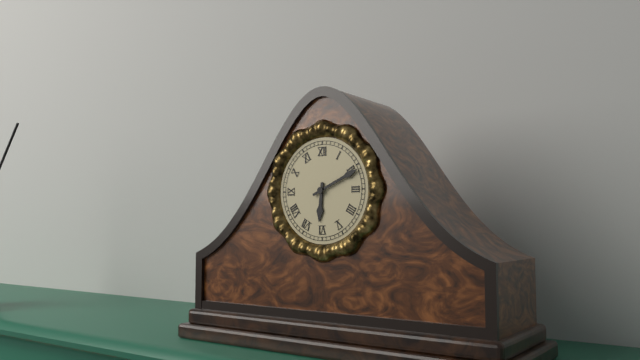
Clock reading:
6.11
